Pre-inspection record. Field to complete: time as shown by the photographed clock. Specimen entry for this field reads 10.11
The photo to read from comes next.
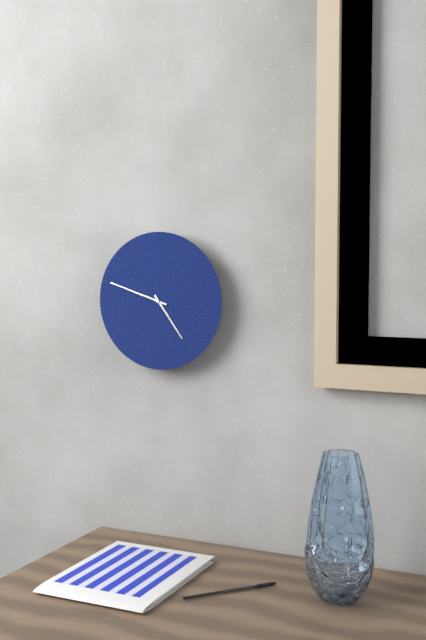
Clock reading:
4.48
